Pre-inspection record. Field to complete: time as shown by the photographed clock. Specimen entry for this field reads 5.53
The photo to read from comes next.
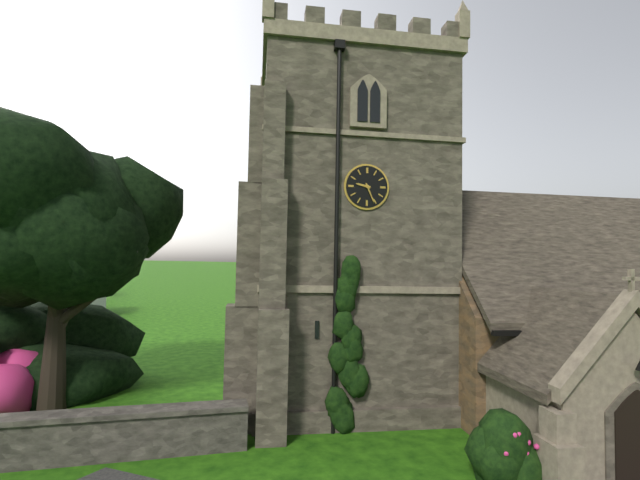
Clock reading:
9.26
